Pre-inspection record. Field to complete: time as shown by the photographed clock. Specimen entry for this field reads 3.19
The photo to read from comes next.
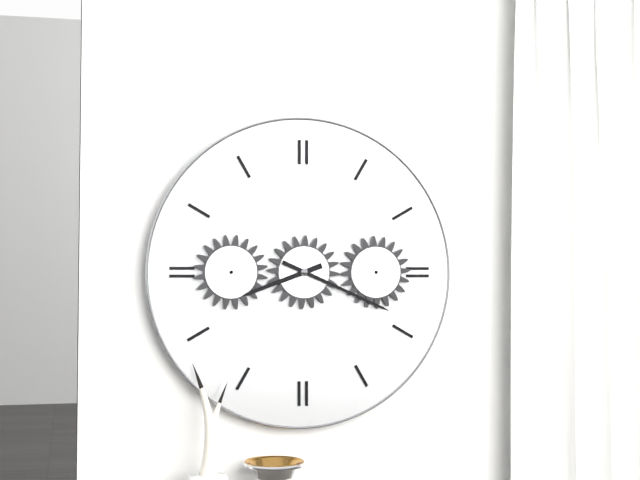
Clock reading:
8.19
